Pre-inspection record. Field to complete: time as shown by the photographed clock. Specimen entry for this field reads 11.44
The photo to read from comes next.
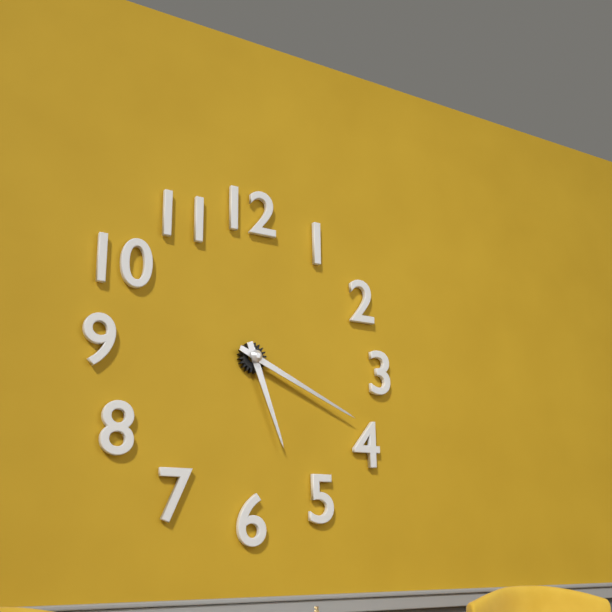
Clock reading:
5.19
